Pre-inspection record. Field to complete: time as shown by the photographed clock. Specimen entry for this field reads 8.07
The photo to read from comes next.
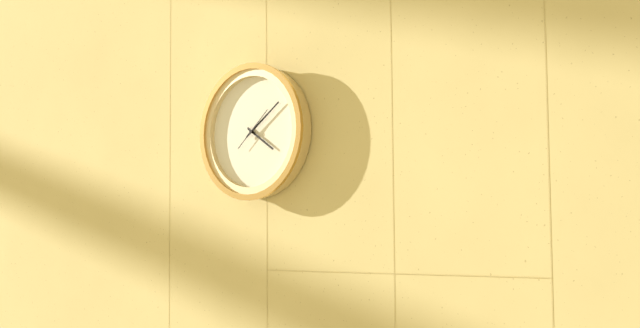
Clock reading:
4.09
